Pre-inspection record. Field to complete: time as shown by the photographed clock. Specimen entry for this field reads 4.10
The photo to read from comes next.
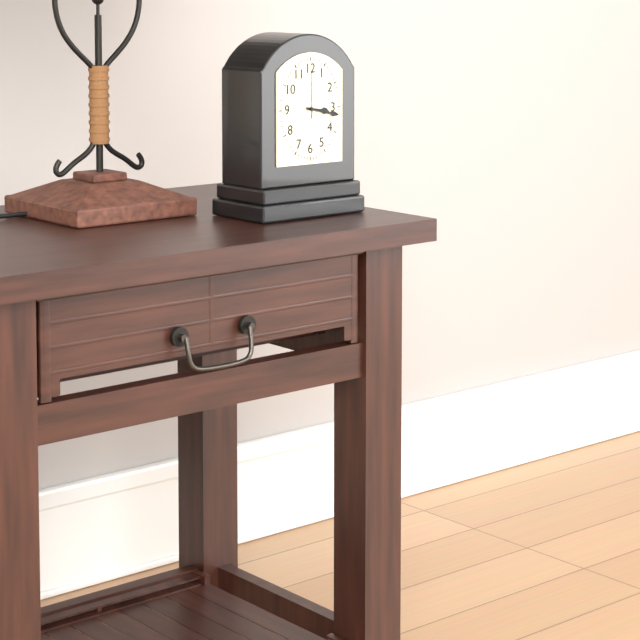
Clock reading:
3.17
